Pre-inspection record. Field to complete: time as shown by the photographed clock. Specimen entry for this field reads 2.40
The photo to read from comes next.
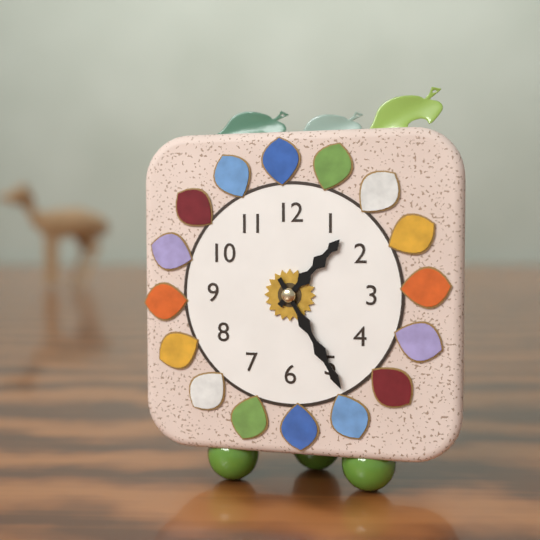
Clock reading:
1.25
